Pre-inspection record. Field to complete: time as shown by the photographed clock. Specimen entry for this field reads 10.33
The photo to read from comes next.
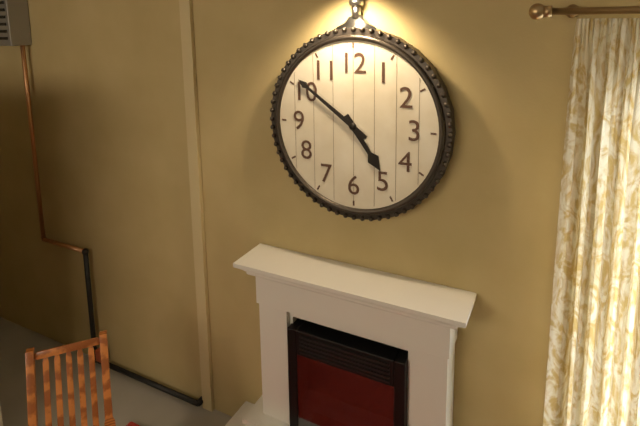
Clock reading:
4.51
